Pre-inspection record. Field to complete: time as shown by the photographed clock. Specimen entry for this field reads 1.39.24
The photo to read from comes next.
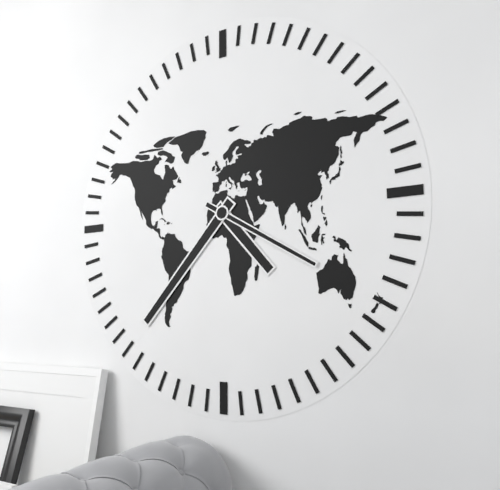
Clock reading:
4.37.20
